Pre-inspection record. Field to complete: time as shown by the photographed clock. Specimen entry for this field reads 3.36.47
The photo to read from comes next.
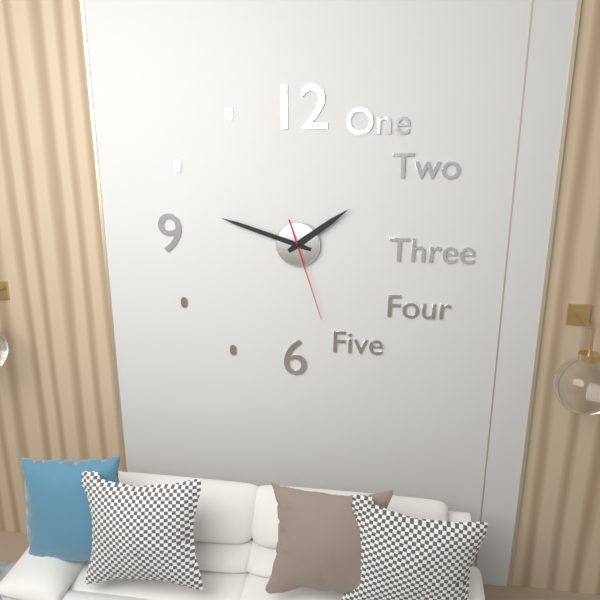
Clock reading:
1.48.27
